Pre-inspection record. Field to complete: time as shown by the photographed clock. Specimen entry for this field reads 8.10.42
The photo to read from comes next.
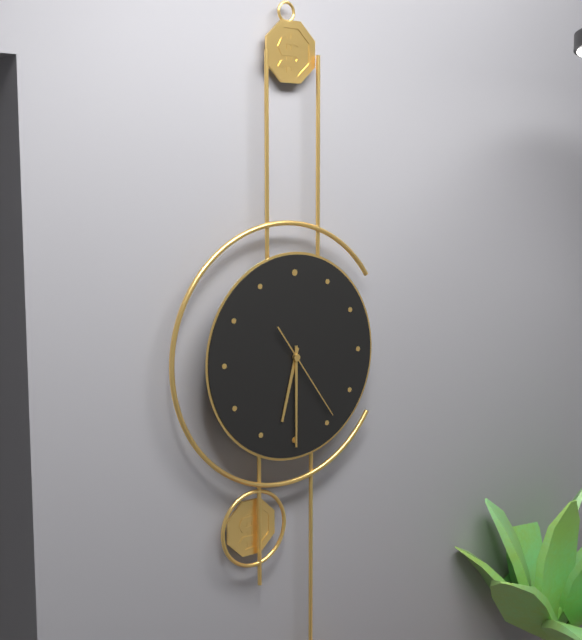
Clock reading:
6.30.24
